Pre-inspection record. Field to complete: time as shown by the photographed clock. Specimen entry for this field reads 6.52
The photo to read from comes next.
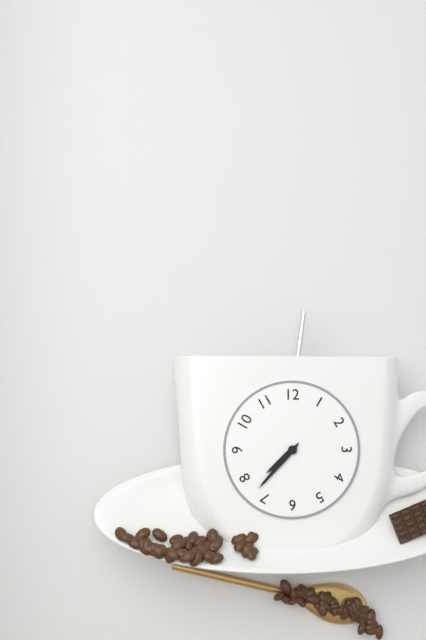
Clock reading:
7.37
